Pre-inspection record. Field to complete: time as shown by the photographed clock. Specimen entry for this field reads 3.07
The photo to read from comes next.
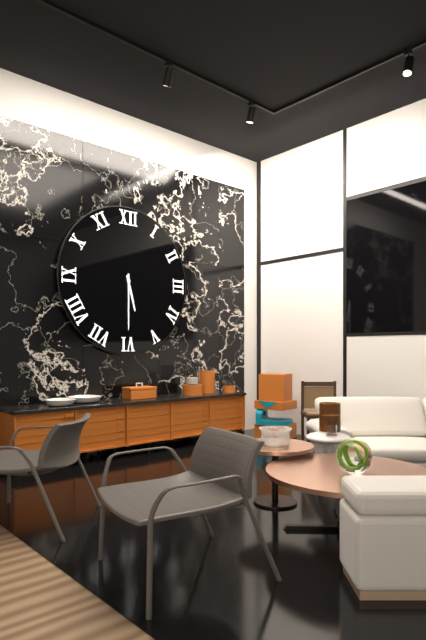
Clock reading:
5.30
